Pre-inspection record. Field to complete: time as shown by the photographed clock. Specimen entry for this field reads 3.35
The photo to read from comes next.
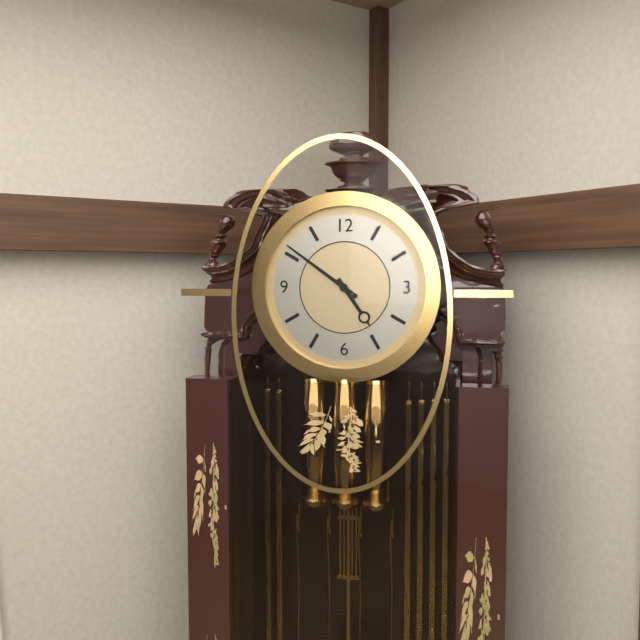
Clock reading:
4.51
